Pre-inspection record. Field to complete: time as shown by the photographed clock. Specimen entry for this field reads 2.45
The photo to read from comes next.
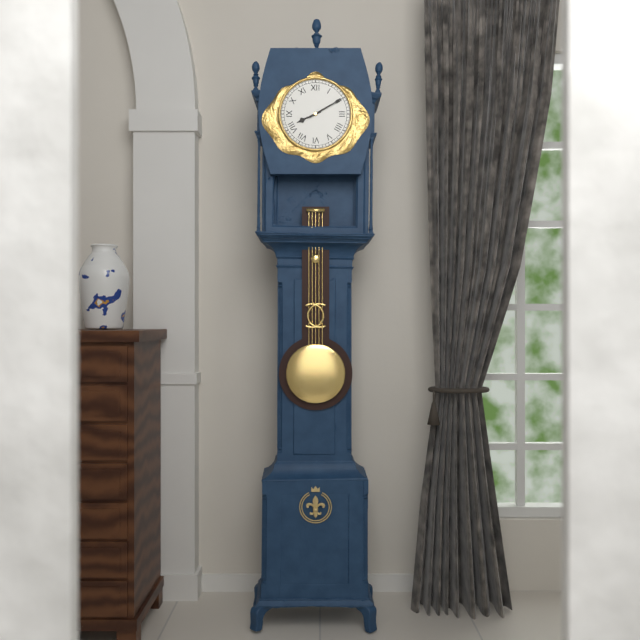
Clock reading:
8.10
